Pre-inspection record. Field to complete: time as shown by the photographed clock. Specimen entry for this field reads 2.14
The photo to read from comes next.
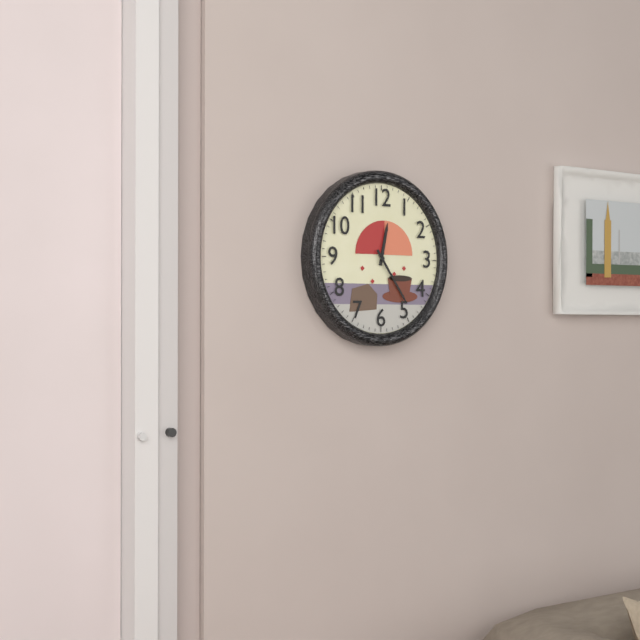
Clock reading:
12.24
